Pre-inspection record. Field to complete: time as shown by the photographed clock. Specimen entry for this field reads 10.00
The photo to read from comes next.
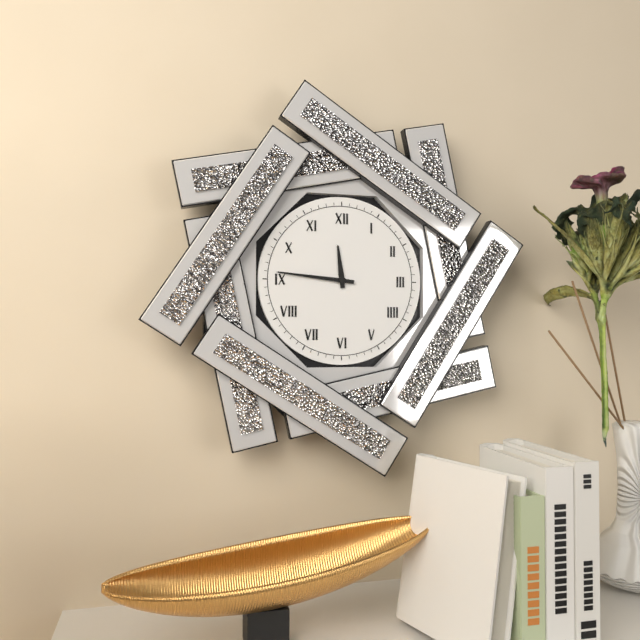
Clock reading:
11.46
